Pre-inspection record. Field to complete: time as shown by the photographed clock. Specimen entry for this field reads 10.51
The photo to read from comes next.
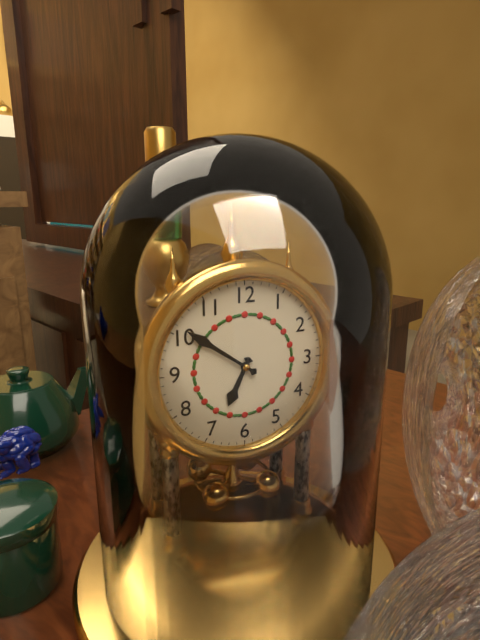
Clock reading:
6.51
